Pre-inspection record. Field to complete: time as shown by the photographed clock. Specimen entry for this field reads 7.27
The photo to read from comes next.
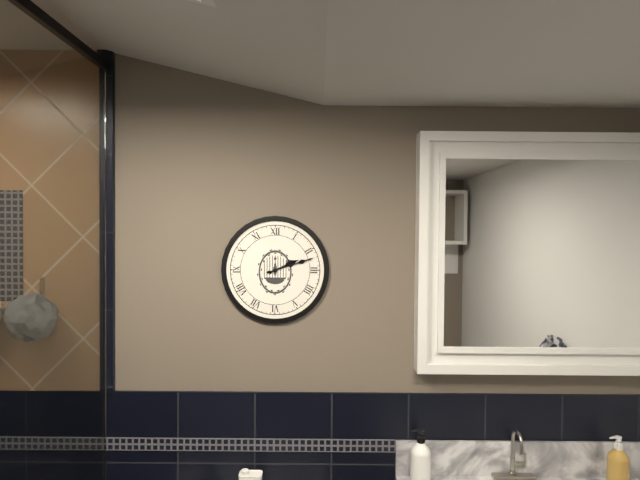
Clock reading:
2.12
